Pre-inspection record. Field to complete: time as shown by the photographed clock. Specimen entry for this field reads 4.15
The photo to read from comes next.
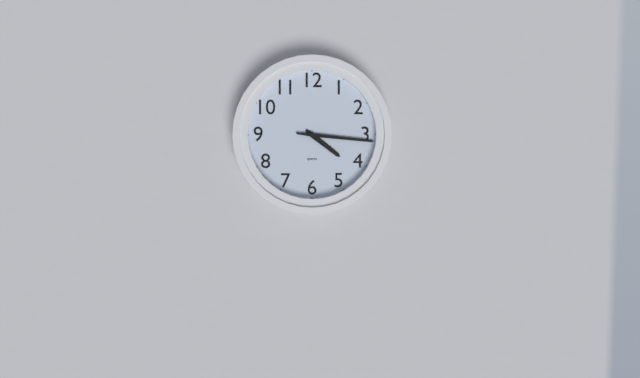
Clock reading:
4.16
